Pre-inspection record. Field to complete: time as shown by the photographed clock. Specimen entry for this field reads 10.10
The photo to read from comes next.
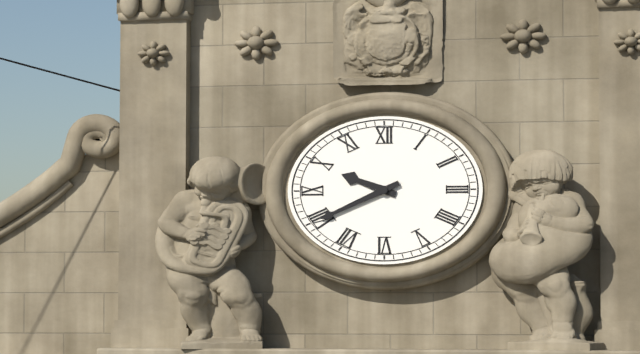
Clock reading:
9.41
